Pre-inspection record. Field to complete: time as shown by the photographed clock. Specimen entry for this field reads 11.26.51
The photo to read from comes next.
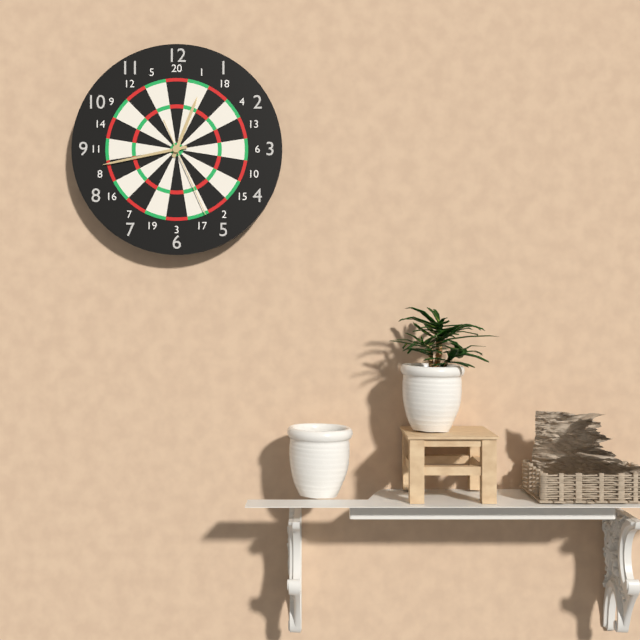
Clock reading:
12.43.26
